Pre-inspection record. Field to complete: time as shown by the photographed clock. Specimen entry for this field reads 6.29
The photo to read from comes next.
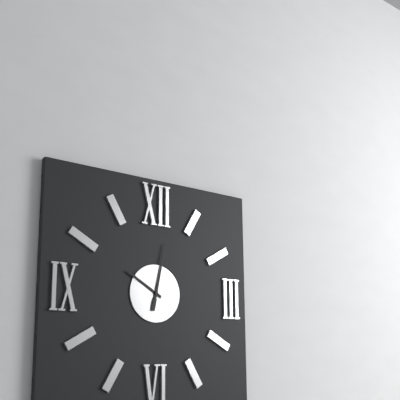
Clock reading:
10.02
